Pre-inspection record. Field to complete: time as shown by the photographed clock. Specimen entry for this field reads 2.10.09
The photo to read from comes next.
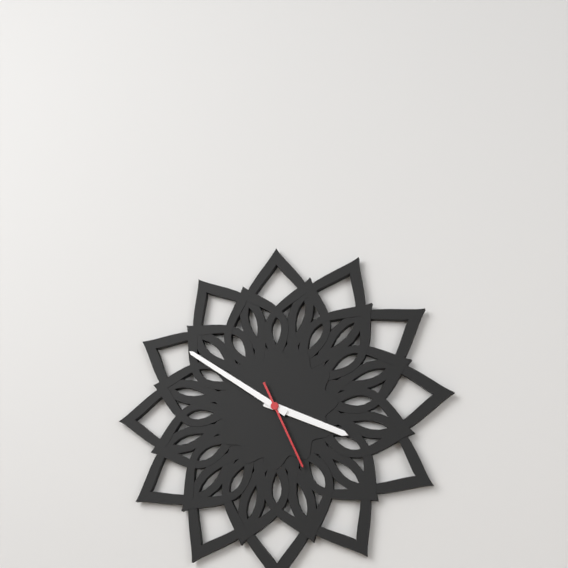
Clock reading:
3.51.26
